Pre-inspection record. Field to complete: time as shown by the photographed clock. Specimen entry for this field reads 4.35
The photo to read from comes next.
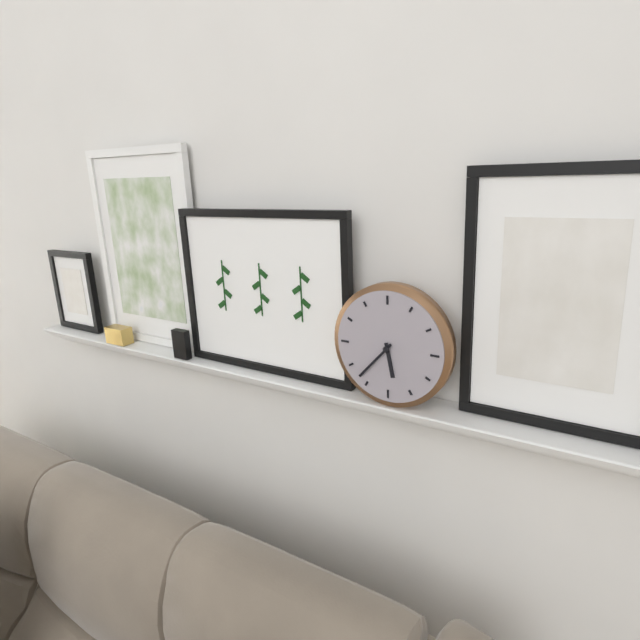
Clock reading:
5.37
